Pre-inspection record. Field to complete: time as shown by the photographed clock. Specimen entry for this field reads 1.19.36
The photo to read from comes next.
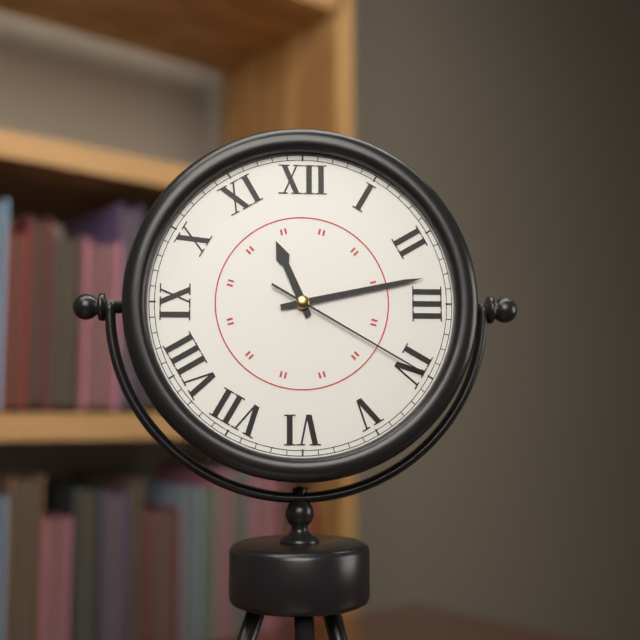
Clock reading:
11.13.20
